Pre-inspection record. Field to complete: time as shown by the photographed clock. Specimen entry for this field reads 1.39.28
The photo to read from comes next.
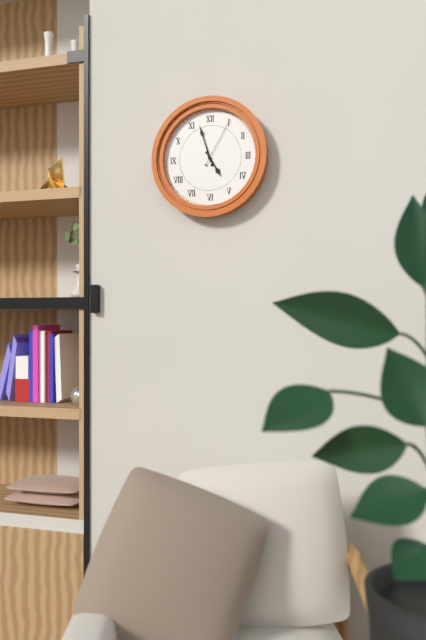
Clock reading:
4.57.05
